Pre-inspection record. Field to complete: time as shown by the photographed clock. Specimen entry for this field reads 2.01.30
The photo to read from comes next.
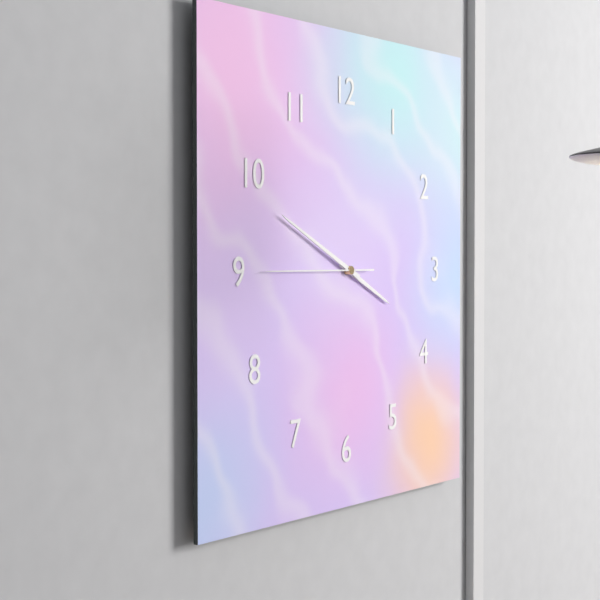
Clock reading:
3.49.45
